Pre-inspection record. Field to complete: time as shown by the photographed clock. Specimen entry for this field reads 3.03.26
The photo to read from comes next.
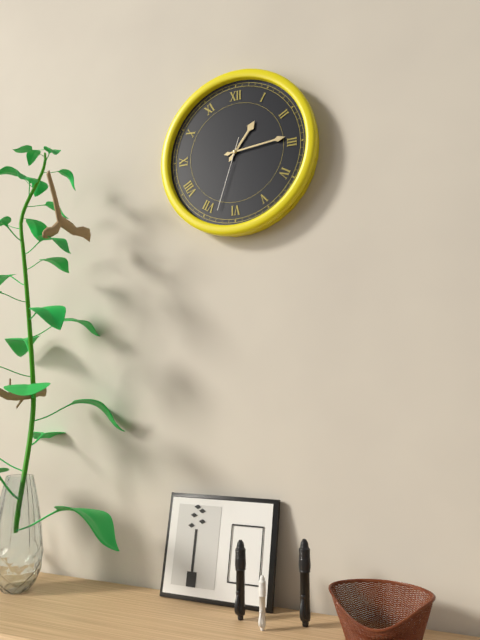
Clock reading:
1.14.33
